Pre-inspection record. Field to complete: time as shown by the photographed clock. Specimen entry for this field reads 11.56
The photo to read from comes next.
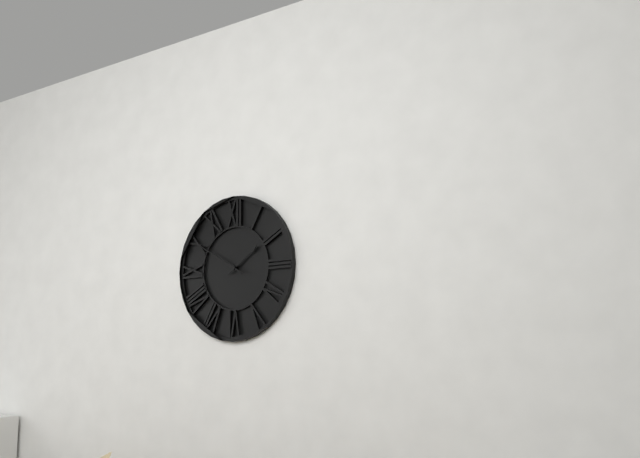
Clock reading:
1.50
